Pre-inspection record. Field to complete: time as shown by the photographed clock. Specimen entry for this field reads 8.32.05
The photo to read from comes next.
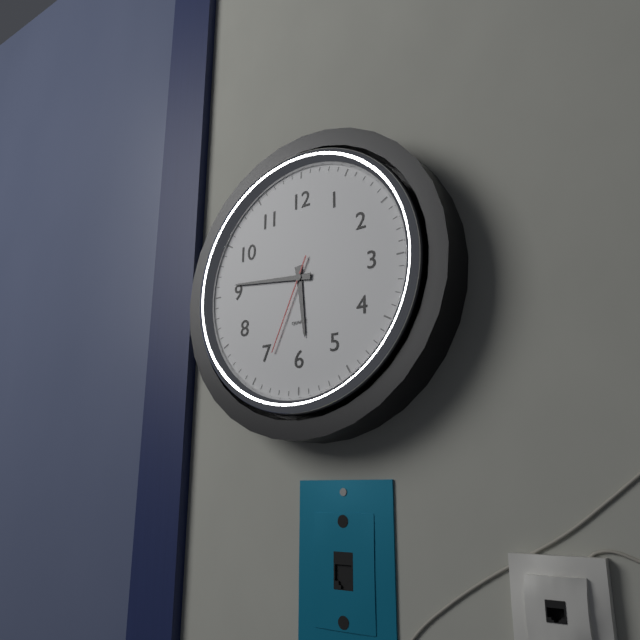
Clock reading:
5.46.34
